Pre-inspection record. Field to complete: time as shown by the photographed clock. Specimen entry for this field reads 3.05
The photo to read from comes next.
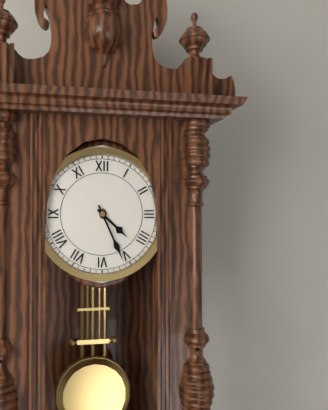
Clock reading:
4.26
